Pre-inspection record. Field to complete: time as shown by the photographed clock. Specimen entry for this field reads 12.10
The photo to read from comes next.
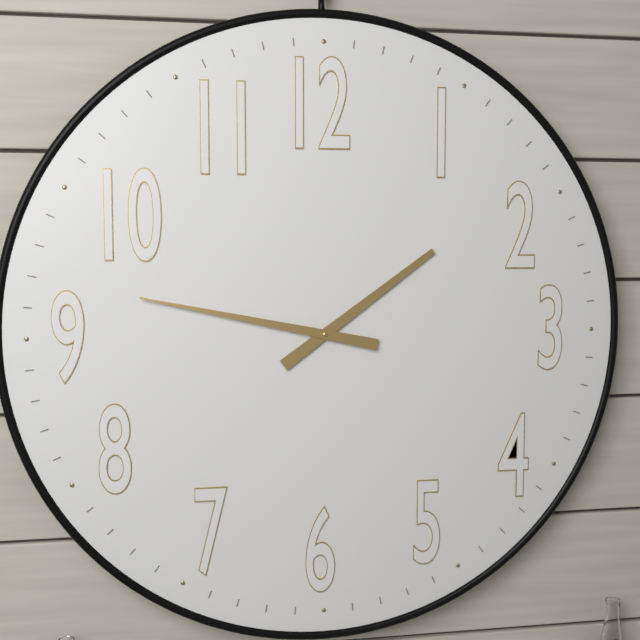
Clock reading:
1.47
